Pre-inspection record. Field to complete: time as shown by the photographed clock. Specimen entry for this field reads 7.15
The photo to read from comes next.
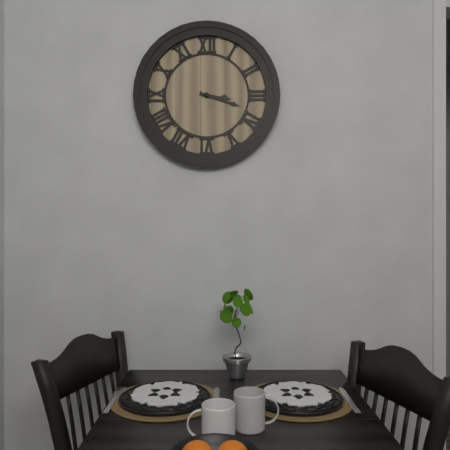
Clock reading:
3.18
